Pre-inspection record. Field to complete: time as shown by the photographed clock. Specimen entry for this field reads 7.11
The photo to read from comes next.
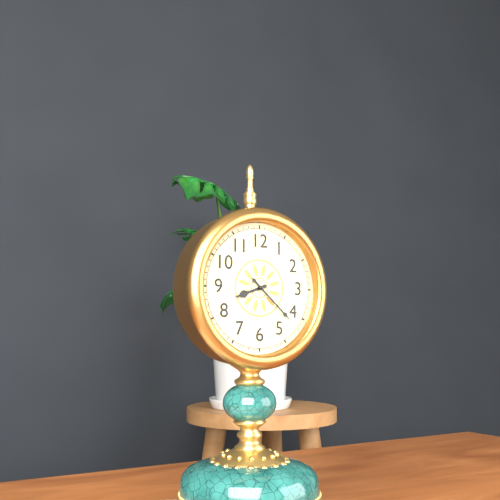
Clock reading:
8.22
